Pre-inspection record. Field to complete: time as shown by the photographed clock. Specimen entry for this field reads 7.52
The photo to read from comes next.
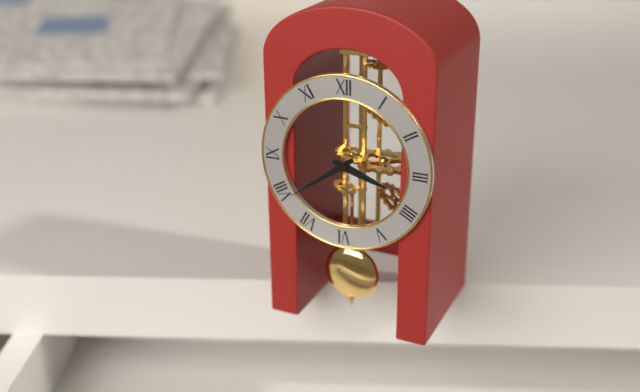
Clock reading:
3.39
